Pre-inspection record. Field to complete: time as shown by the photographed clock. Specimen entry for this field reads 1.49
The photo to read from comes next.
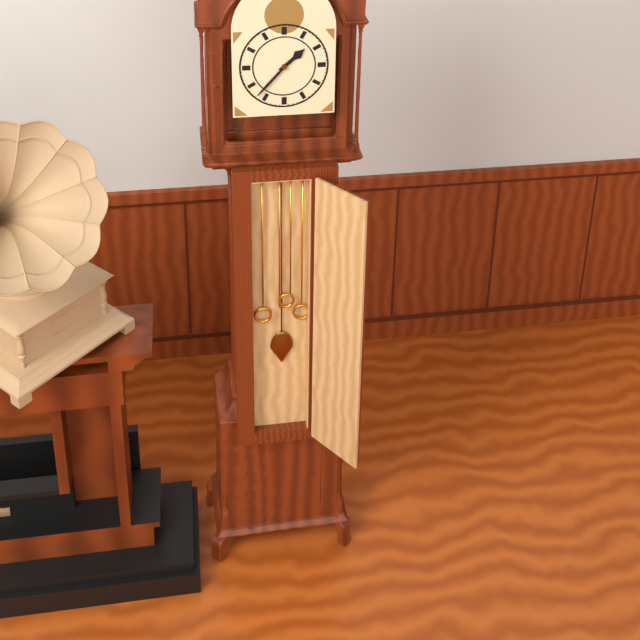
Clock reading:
1.37
